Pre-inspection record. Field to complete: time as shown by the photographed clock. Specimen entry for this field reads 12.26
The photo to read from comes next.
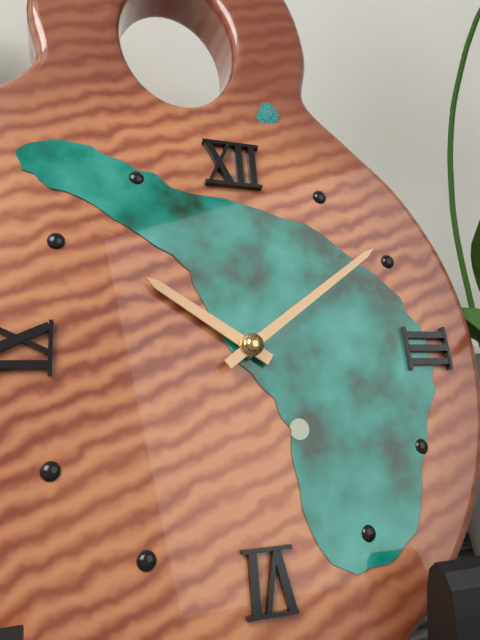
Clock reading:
10.09
